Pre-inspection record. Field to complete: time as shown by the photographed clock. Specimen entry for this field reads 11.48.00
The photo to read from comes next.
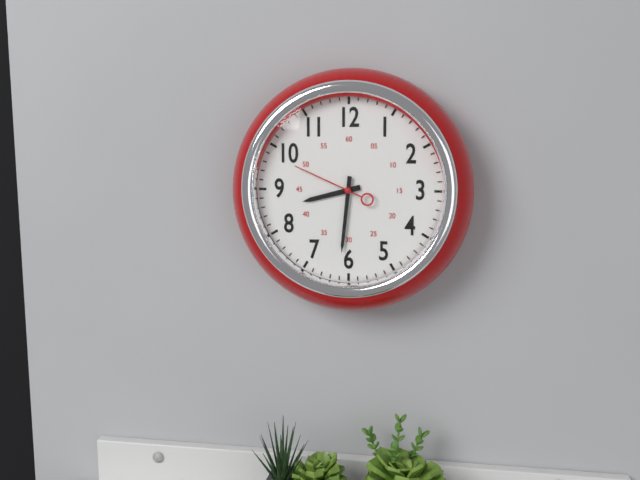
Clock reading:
8.31.49
